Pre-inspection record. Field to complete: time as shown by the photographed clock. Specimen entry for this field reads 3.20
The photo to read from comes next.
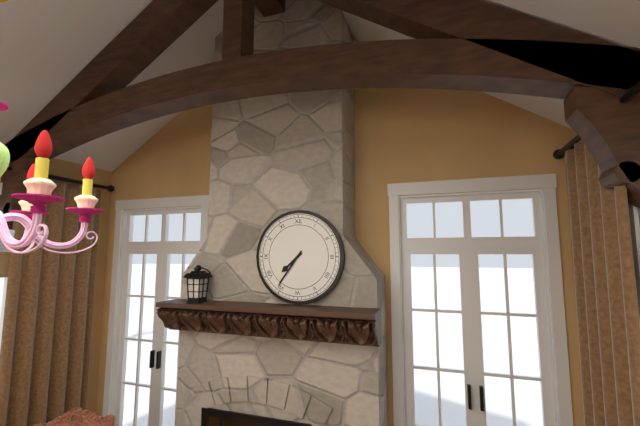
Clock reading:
7.36
